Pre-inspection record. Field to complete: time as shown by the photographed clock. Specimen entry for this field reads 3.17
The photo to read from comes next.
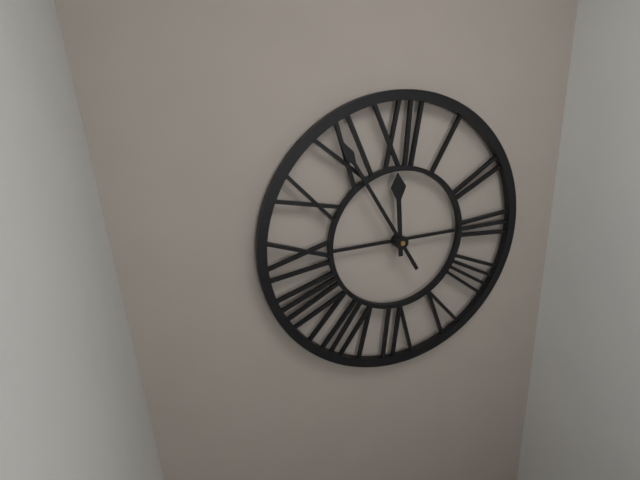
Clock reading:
11.55
